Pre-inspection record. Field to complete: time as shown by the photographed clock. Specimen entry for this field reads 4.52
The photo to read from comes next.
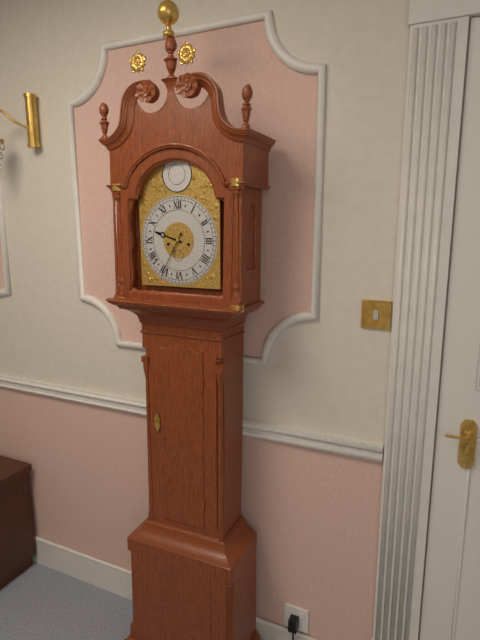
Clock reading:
9.35
